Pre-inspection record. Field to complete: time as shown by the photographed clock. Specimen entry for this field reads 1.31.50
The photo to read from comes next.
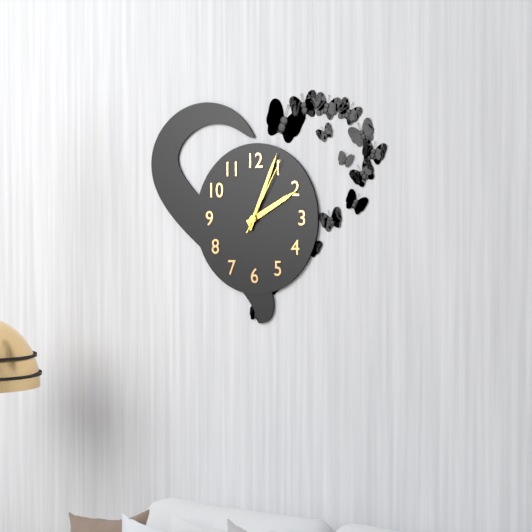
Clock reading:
2.04.05
